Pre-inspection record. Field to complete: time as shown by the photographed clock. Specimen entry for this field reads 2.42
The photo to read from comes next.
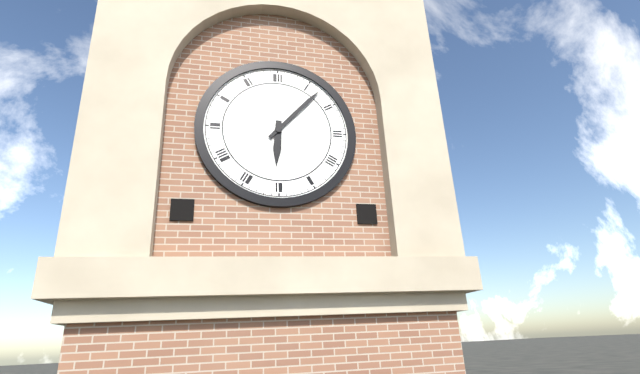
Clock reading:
6.07
